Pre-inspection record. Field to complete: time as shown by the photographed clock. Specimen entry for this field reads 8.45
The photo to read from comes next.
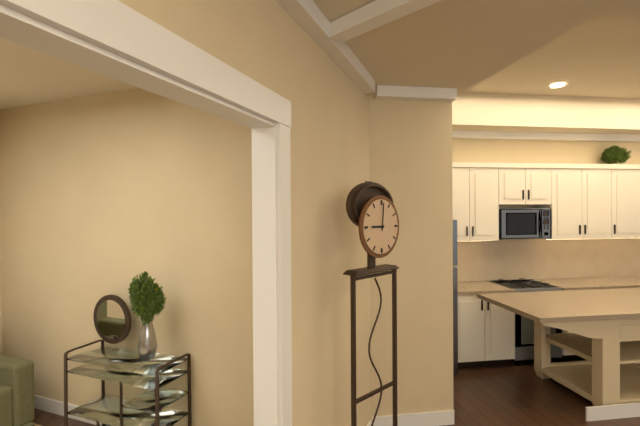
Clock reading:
9.01
